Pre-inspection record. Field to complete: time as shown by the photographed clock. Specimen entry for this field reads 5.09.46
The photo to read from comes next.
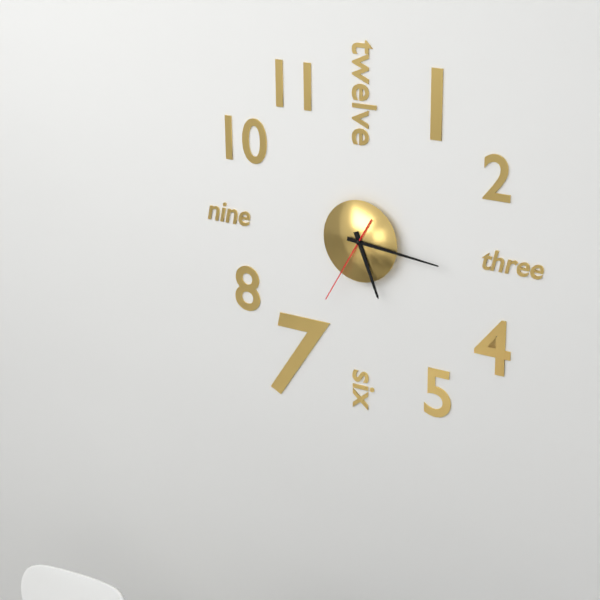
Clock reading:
5.16.35
